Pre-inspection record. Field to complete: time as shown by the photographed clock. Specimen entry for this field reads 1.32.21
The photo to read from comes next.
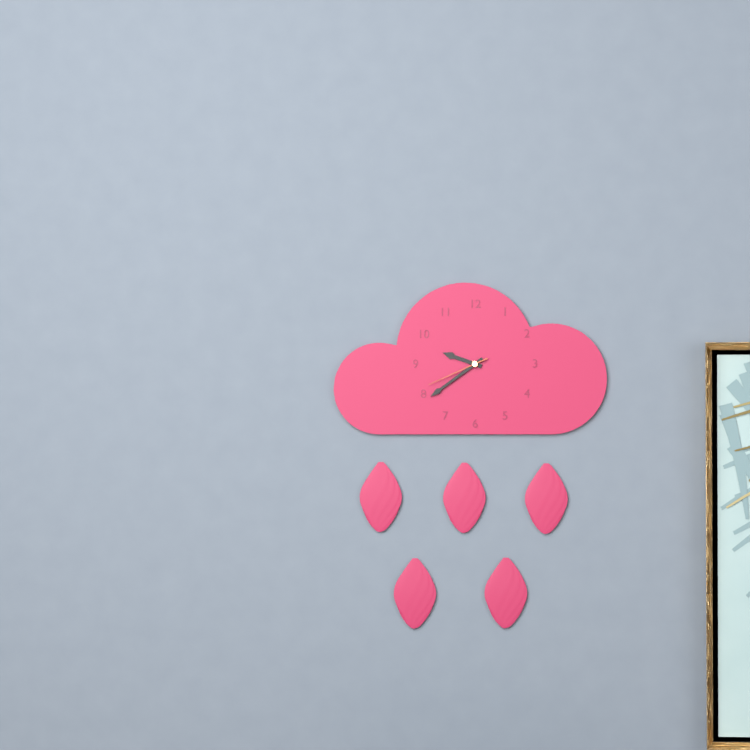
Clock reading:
9.39.41
